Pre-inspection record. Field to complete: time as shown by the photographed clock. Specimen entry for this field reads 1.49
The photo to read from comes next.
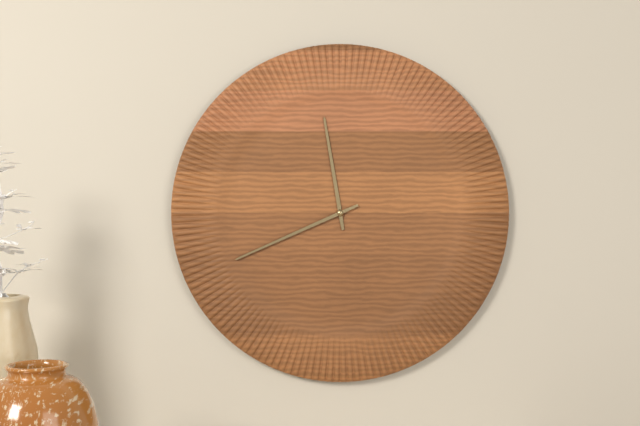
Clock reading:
11.41
